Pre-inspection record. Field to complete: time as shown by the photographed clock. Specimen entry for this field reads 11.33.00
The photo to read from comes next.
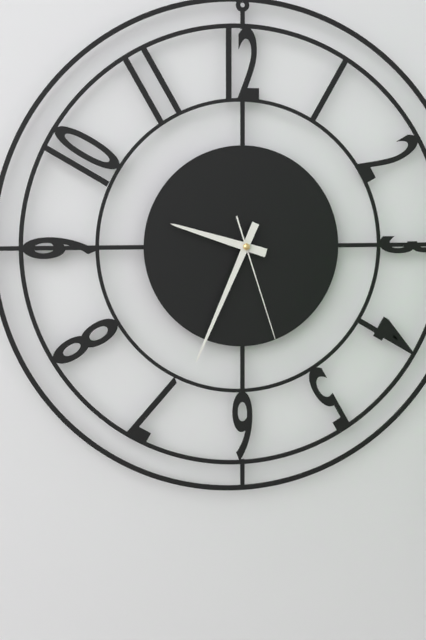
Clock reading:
9.34.27
